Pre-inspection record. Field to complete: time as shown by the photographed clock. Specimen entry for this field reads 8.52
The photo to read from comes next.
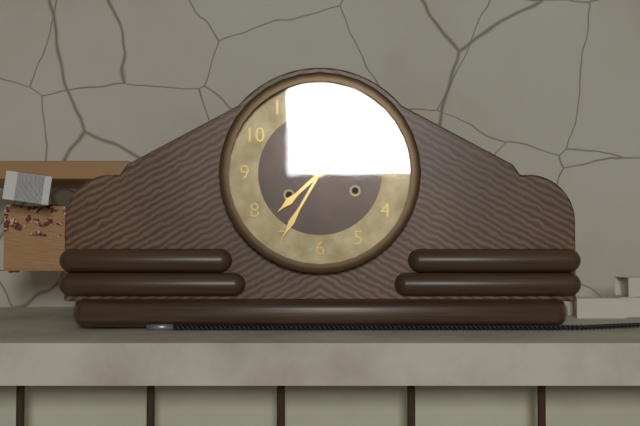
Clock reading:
7.35
